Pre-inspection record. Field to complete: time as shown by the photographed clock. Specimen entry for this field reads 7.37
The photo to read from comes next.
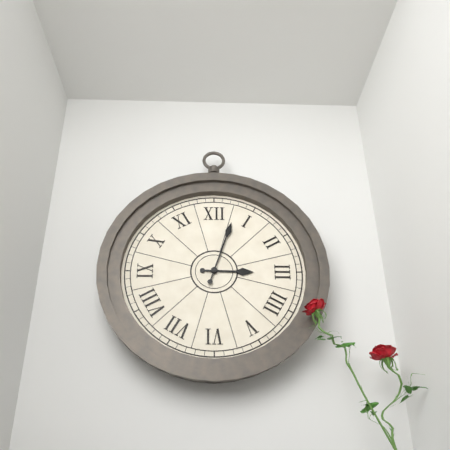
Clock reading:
3.03
